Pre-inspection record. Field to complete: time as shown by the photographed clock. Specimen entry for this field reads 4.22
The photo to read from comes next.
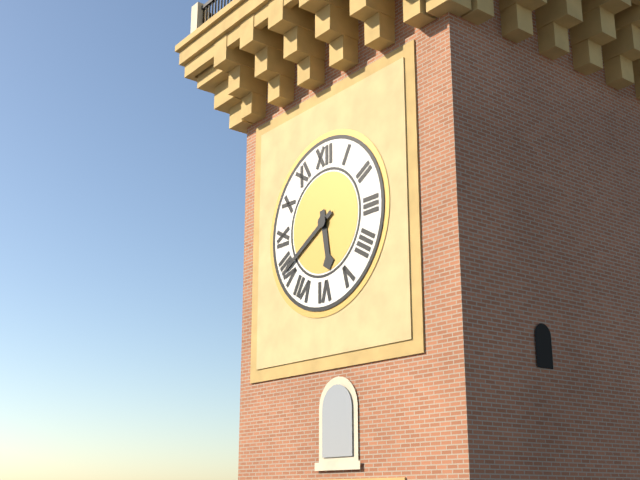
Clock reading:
5.40
